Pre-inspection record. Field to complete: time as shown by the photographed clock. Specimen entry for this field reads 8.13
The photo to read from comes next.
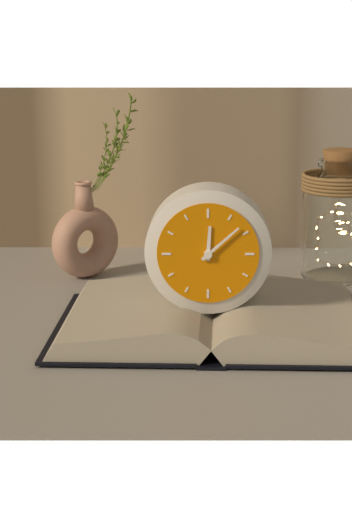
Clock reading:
12.08
